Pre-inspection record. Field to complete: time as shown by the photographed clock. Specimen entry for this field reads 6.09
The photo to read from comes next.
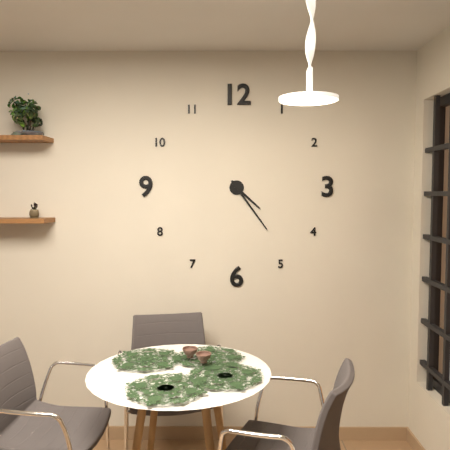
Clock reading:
4.24
